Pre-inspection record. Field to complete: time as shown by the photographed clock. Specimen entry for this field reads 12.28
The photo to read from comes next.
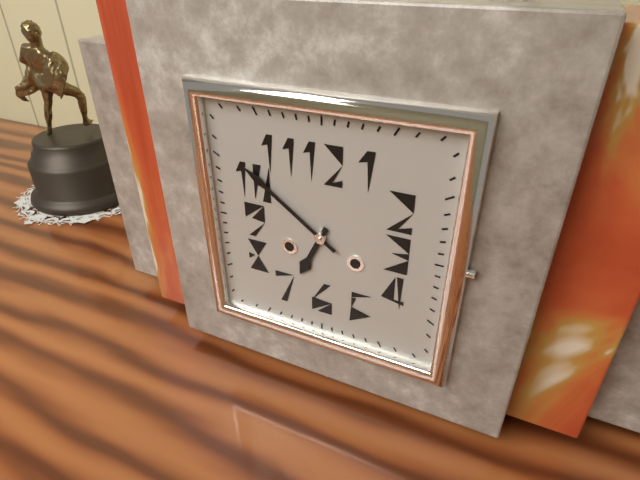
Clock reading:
6.51
